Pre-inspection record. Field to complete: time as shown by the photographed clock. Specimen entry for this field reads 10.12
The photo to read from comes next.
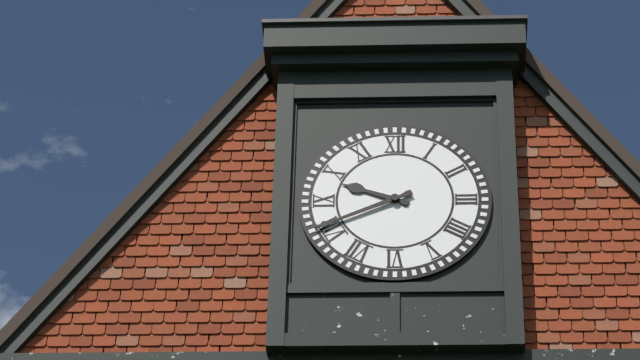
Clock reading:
9.41
